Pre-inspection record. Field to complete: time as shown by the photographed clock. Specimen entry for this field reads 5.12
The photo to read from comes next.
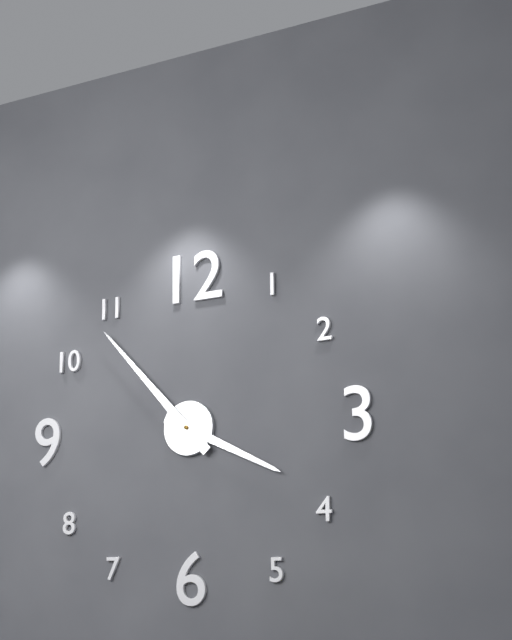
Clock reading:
3.53
